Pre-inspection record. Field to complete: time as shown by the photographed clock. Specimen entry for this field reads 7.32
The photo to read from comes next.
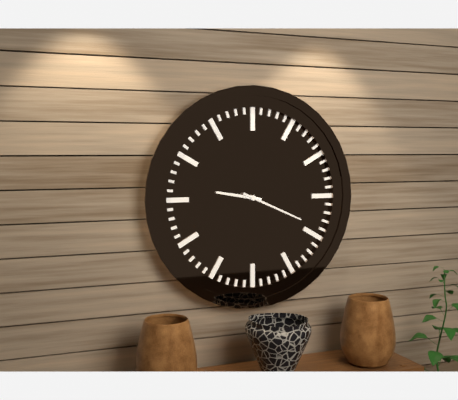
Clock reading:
9.19
